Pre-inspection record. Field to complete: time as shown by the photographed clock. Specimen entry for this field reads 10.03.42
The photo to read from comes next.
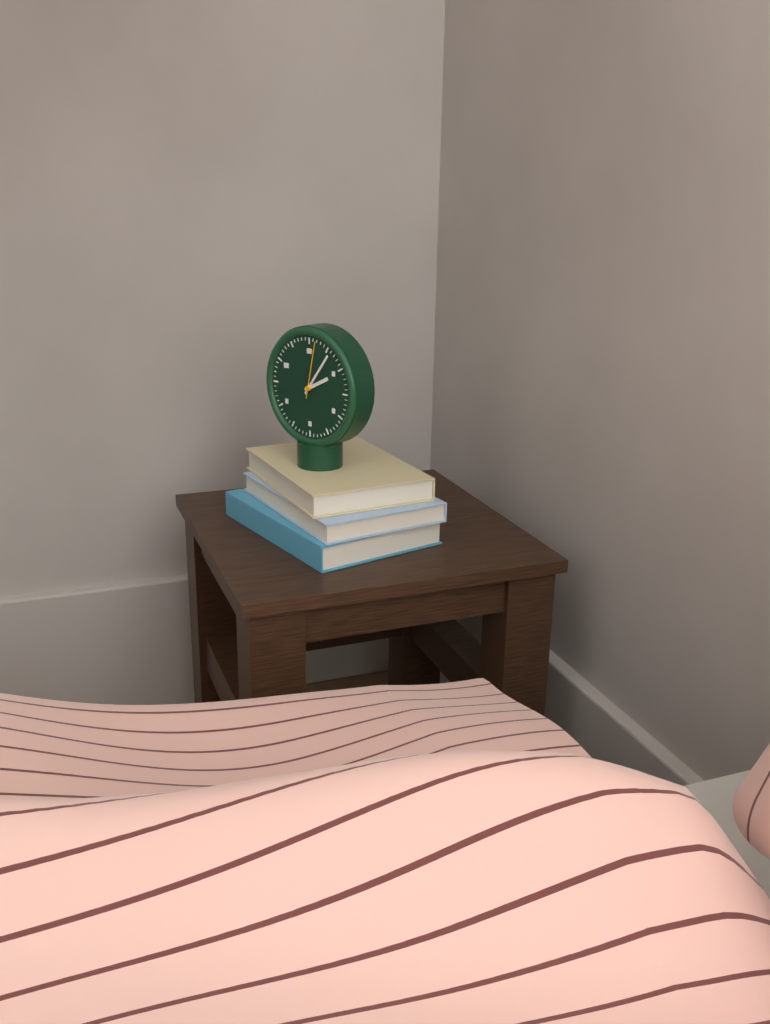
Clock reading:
2.06.02
